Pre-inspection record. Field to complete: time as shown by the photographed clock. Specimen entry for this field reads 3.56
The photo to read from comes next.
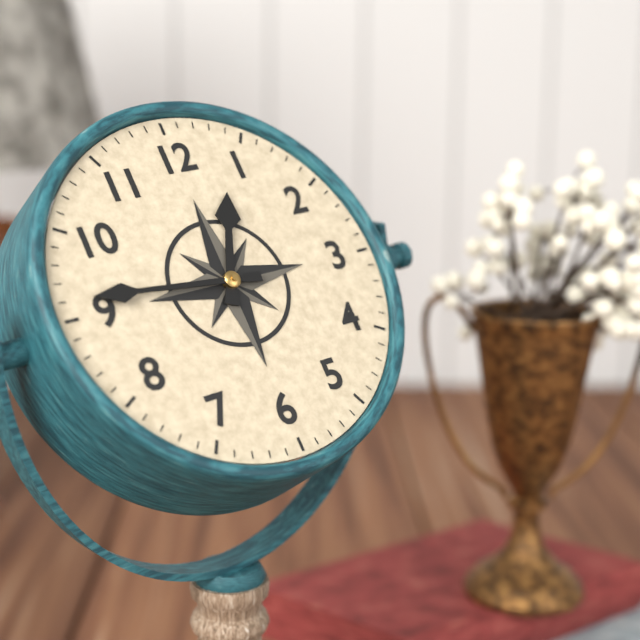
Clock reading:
12.46
